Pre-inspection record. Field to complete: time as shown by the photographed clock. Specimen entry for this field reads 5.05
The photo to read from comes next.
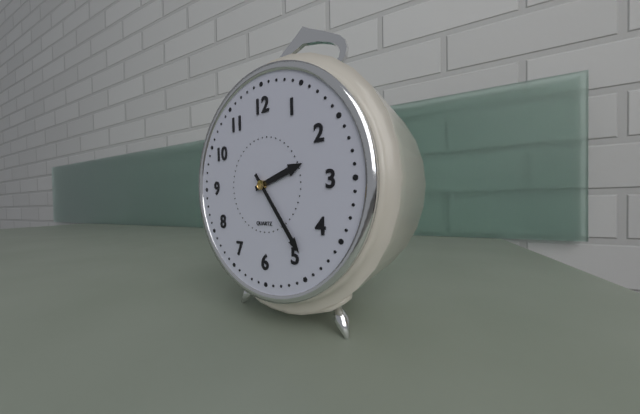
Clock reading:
2.24
